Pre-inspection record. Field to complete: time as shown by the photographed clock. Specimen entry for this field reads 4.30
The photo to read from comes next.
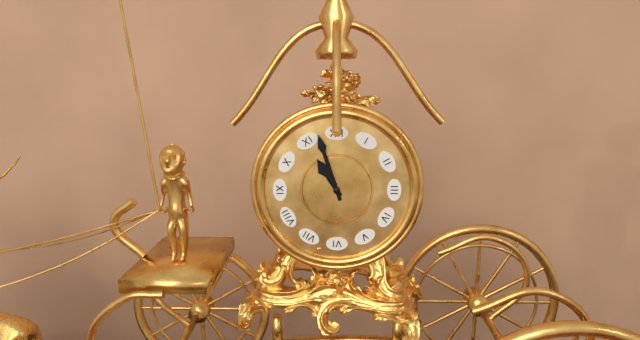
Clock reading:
10.57
